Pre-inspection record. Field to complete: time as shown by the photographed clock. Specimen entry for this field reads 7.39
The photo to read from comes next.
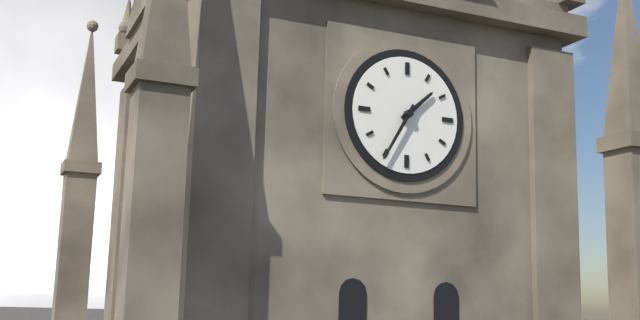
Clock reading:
1.35
